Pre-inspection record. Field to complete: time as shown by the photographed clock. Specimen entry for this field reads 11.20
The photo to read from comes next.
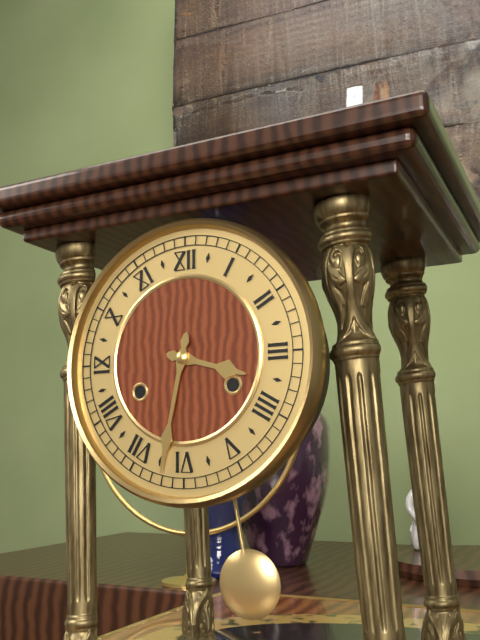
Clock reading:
3.32
